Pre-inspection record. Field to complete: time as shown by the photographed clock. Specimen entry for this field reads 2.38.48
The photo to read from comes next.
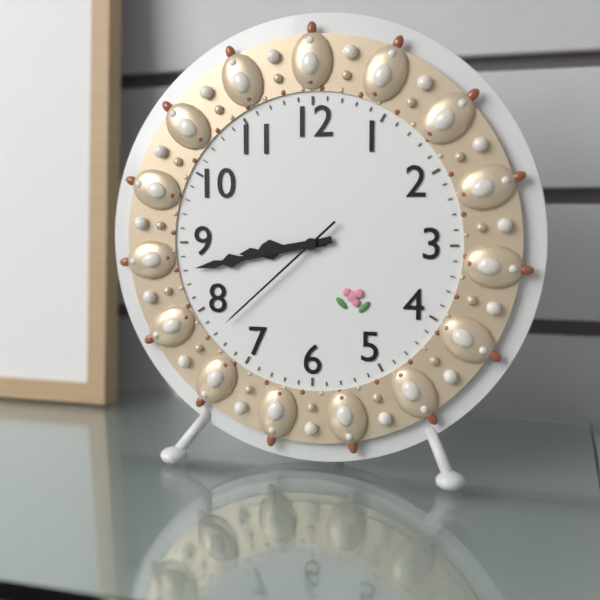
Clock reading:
8.43.38
